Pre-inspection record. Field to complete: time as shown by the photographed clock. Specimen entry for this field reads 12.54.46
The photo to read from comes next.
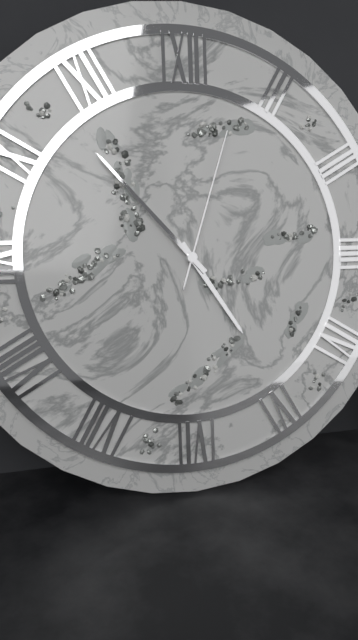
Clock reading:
4.53.03
